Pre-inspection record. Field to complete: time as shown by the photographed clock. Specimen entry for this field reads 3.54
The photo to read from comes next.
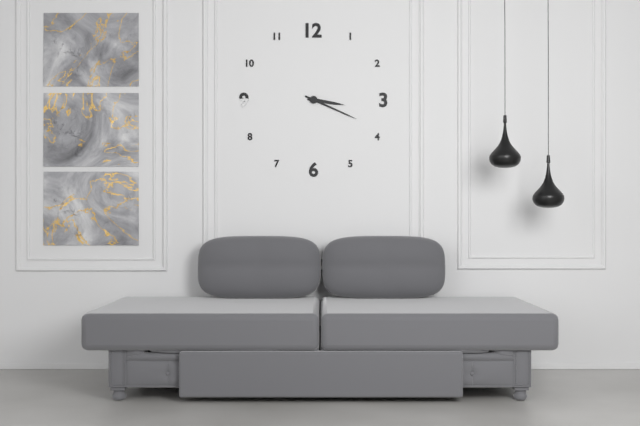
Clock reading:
3.19
